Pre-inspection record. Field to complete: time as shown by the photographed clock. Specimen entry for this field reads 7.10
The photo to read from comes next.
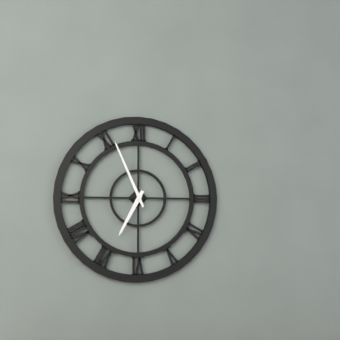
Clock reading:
6.56
